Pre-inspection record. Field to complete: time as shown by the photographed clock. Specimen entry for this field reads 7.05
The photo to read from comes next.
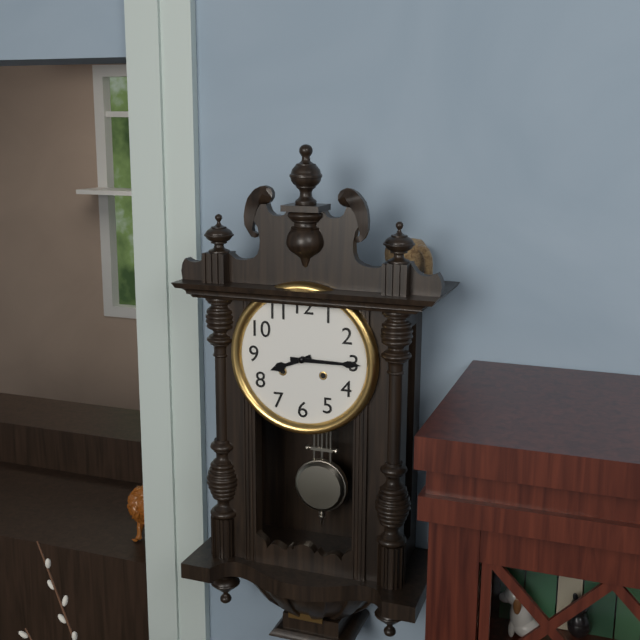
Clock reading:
8.15
